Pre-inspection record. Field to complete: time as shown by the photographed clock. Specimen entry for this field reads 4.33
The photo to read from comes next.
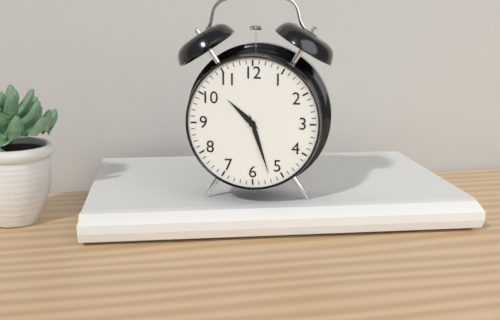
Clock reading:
10.27
